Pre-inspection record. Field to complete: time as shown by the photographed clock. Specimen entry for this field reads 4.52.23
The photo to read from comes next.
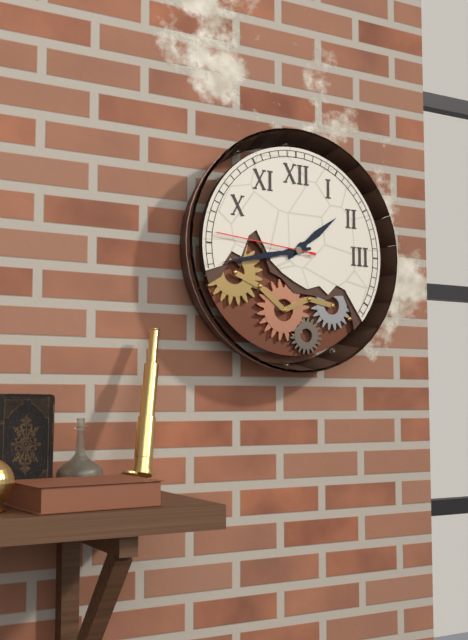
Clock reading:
1.43.46
